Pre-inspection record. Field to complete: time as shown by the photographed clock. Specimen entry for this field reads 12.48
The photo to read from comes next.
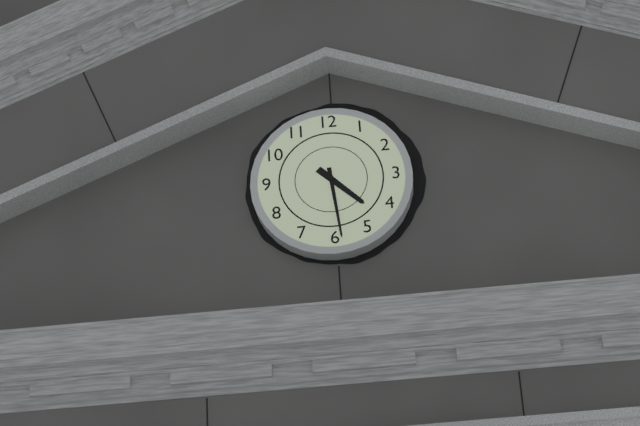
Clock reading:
4.29
